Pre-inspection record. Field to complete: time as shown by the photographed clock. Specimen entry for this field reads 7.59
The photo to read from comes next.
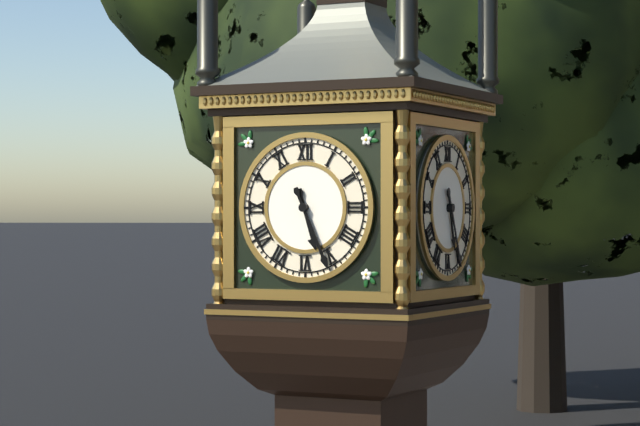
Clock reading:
5.26
